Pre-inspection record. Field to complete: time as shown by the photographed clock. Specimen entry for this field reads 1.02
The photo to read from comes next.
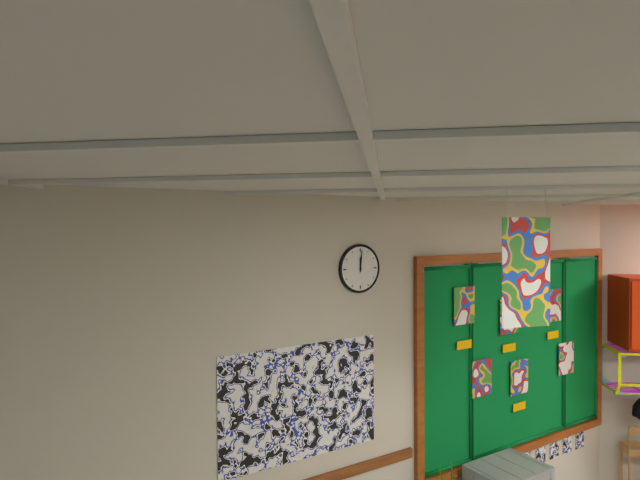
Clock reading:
12.01
